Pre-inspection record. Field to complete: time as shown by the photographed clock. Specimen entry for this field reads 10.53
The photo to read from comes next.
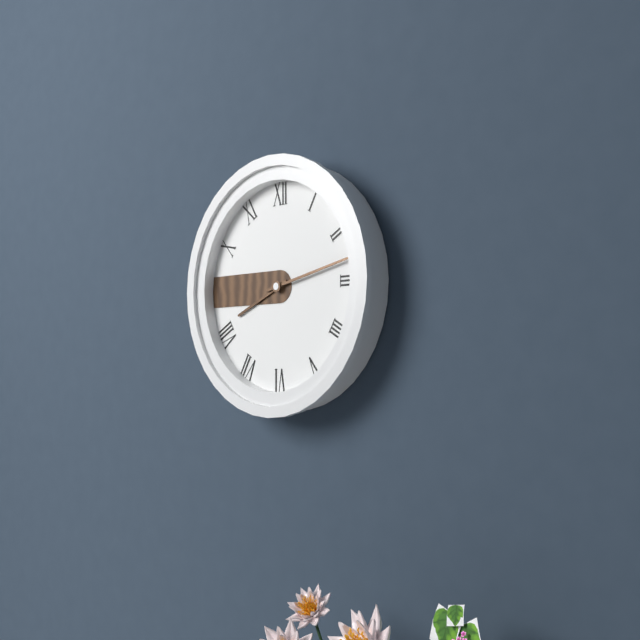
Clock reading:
8.13
